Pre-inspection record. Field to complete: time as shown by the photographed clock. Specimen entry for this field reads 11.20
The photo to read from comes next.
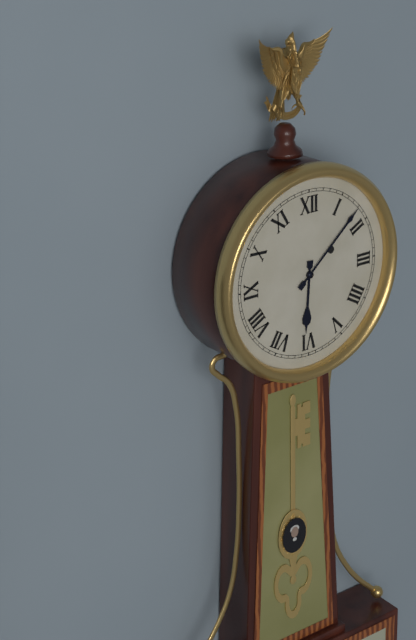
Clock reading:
6.08
